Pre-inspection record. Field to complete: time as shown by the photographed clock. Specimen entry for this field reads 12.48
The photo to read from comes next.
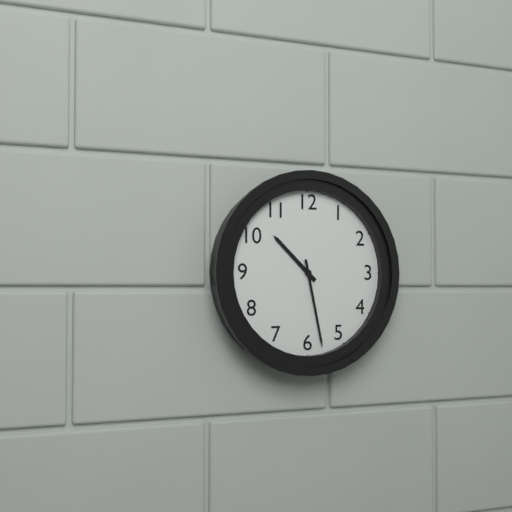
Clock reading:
10.28
